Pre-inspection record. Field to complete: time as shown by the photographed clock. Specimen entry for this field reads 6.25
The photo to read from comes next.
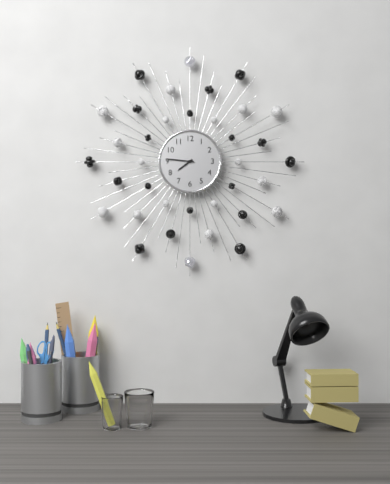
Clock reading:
7.46
